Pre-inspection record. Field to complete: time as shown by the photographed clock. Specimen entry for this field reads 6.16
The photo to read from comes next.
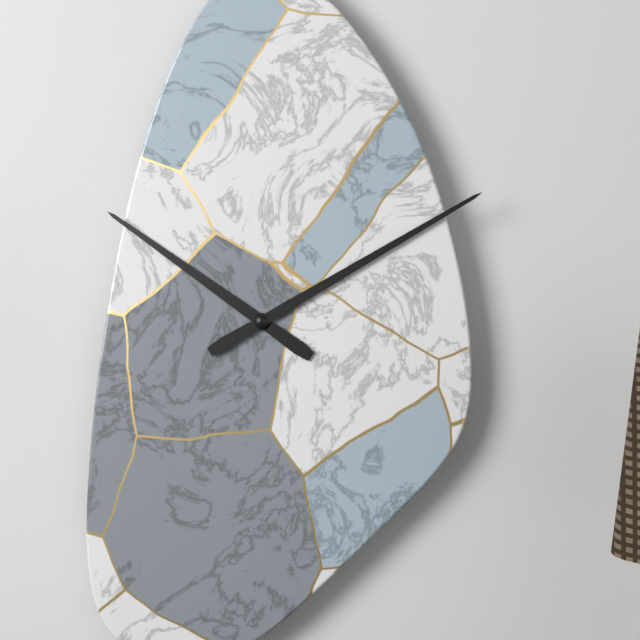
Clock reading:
10.10
